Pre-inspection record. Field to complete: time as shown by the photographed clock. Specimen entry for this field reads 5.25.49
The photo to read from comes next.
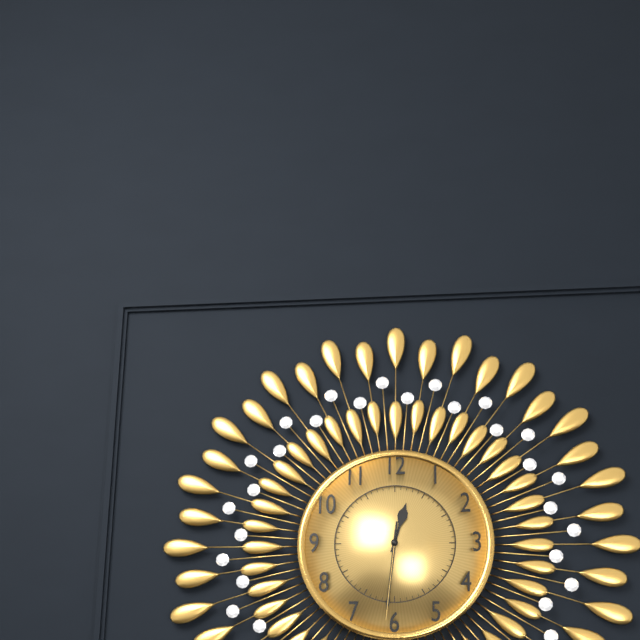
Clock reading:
12.31.31
